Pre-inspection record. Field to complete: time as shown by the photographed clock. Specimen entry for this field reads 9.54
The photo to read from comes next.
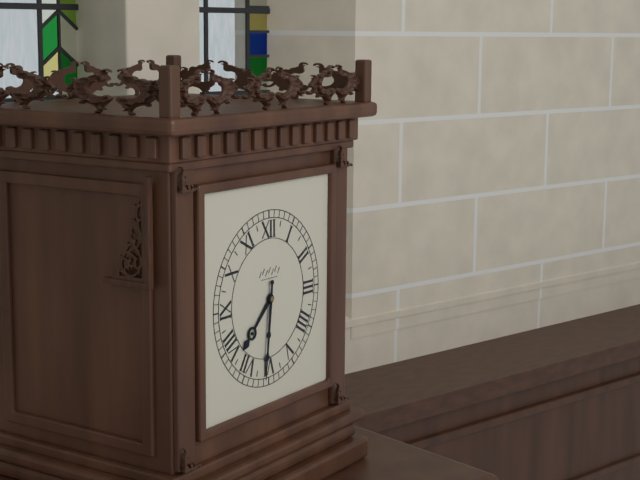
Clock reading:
7.31
